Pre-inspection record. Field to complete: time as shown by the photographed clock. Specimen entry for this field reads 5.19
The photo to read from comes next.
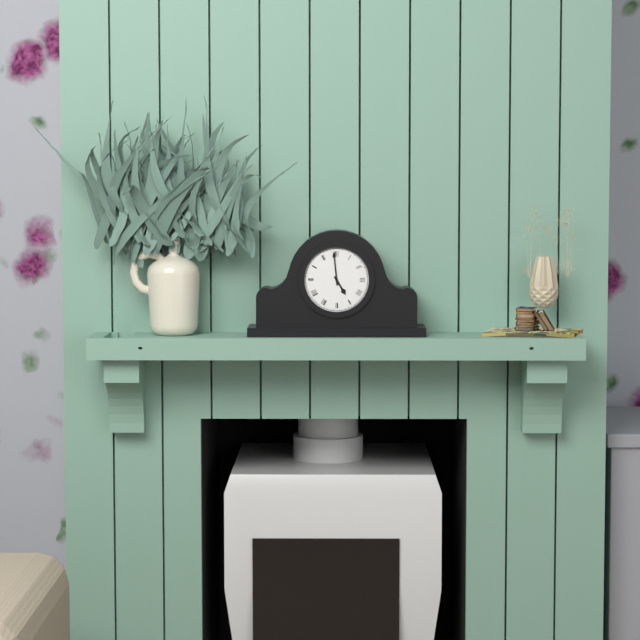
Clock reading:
4.59
